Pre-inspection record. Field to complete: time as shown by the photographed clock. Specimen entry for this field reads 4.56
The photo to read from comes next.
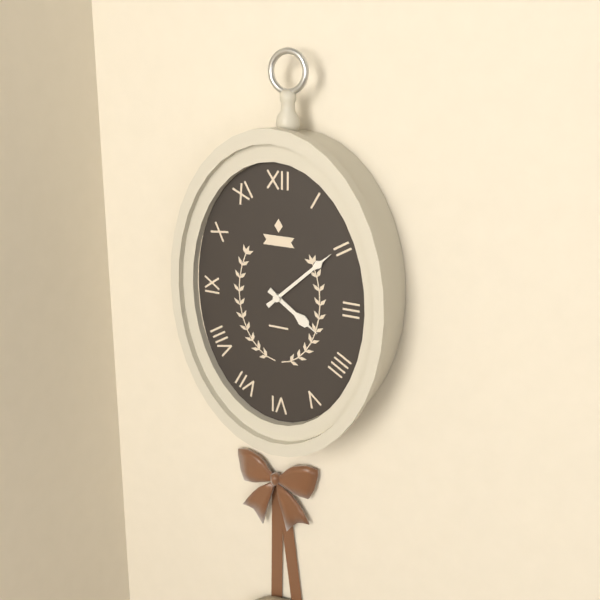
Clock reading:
4.08
